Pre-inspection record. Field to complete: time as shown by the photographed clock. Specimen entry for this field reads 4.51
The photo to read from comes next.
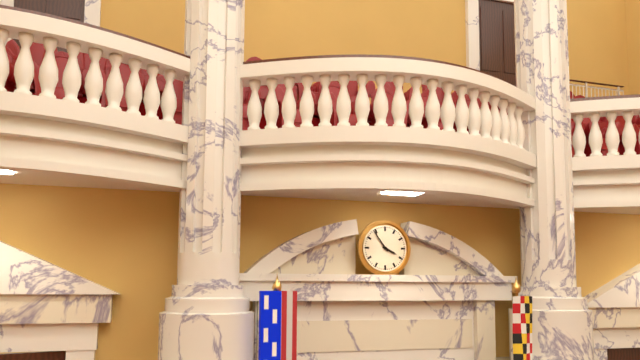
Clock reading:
3.54
